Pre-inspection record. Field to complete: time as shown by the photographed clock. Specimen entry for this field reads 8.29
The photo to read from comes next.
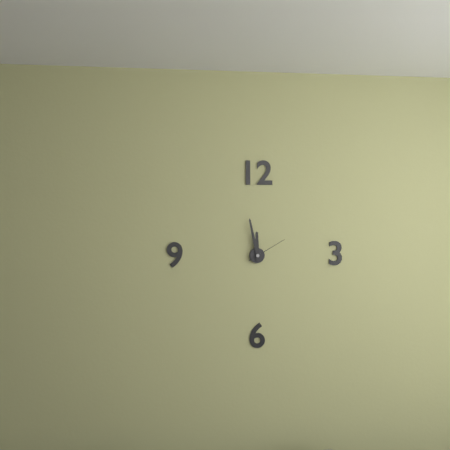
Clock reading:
11.58
